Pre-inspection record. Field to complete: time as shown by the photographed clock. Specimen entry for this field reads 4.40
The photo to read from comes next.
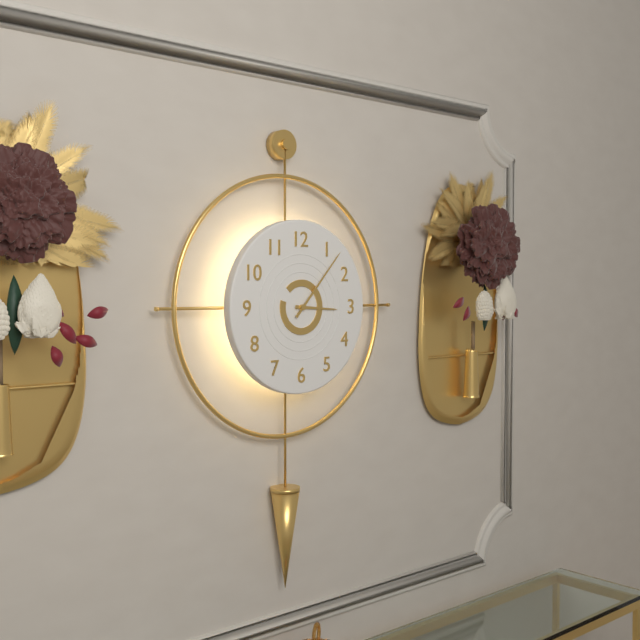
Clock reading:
3.07
